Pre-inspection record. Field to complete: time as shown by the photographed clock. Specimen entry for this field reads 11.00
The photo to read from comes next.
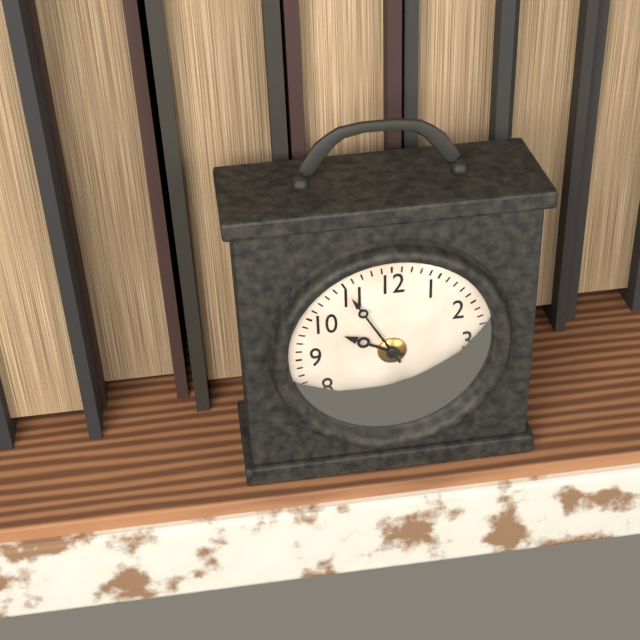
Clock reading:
9.55
